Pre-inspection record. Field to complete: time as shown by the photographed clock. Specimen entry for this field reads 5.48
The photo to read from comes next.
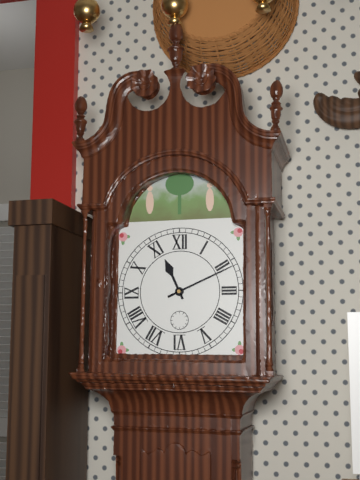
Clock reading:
11.11
